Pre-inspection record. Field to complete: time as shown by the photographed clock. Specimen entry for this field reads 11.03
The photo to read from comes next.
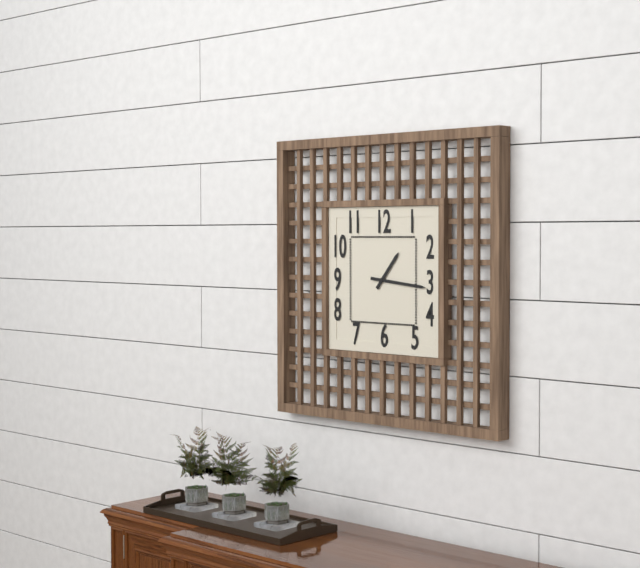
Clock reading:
1.16
